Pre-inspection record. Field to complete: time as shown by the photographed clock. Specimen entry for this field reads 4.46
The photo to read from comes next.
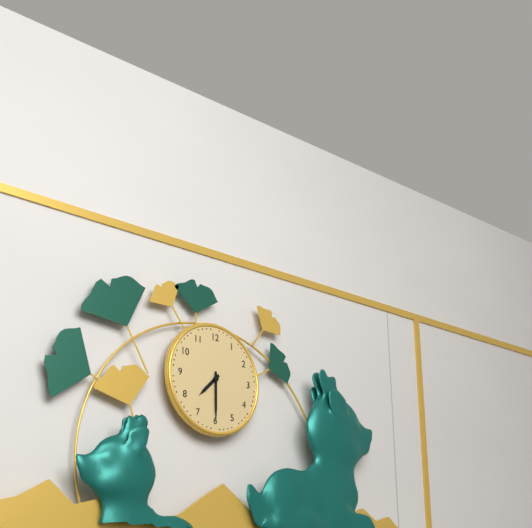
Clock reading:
7.30
